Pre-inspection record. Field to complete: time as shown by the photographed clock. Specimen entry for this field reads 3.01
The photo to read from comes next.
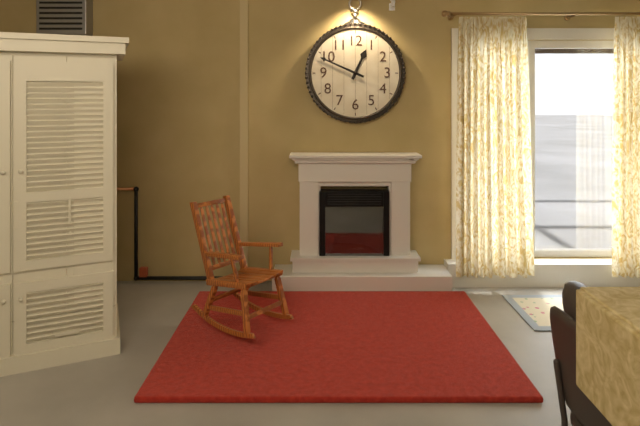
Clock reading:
12.49
